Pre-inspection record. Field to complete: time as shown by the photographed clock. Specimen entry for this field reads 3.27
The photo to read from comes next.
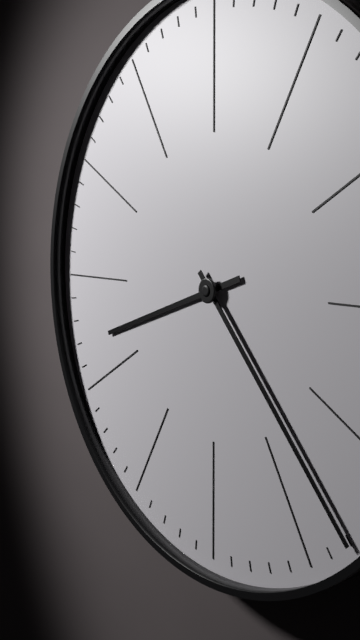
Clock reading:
8.23
